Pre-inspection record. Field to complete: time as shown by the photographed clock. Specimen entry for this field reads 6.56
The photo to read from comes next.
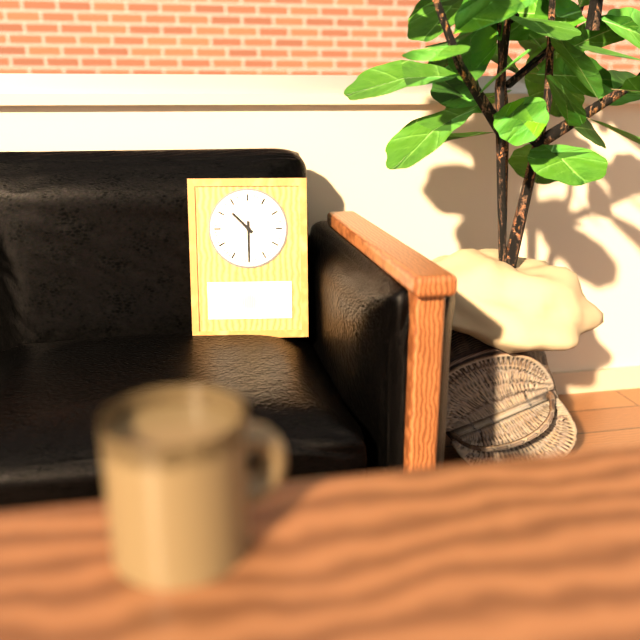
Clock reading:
10.30
